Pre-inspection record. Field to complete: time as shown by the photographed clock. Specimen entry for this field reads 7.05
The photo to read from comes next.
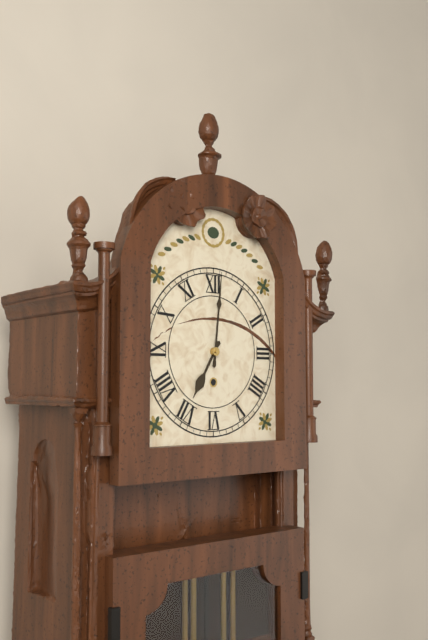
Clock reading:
7.01
